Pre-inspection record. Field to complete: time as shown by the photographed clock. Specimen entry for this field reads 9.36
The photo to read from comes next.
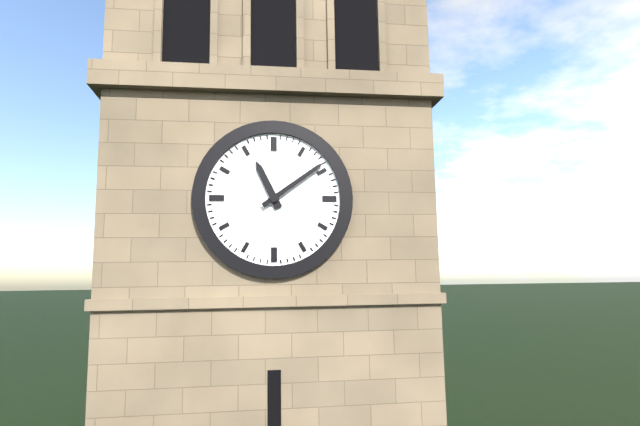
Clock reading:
11.09
